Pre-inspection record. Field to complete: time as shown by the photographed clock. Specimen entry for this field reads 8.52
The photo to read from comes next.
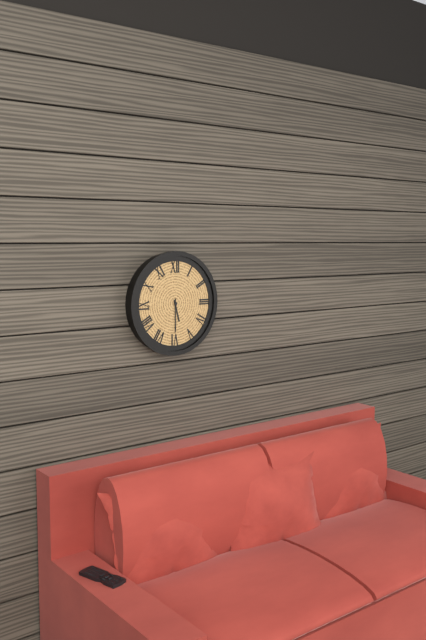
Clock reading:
5.30
